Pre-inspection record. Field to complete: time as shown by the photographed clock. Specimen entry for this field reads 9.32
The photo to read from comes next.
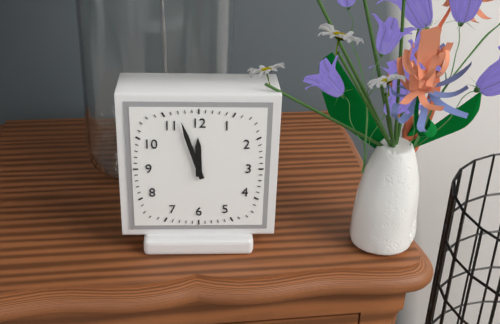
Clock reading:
11.57
